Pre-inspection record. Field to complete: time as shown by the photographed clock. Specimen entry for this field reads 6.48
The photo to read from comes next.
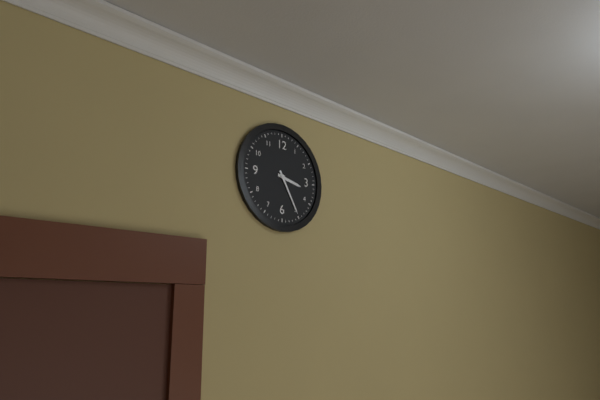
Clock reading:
3.25
